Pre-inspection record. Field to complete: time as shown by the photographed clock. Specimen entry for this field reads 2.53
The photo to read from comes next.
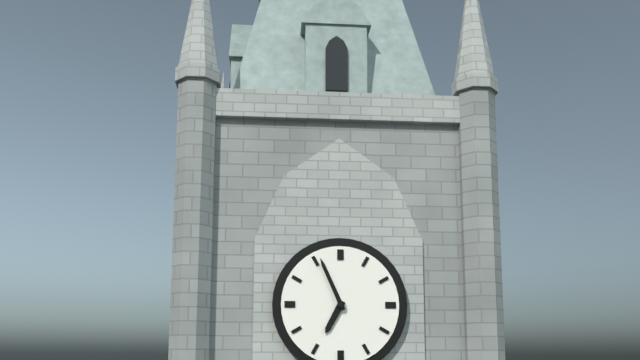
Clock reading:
6.56
